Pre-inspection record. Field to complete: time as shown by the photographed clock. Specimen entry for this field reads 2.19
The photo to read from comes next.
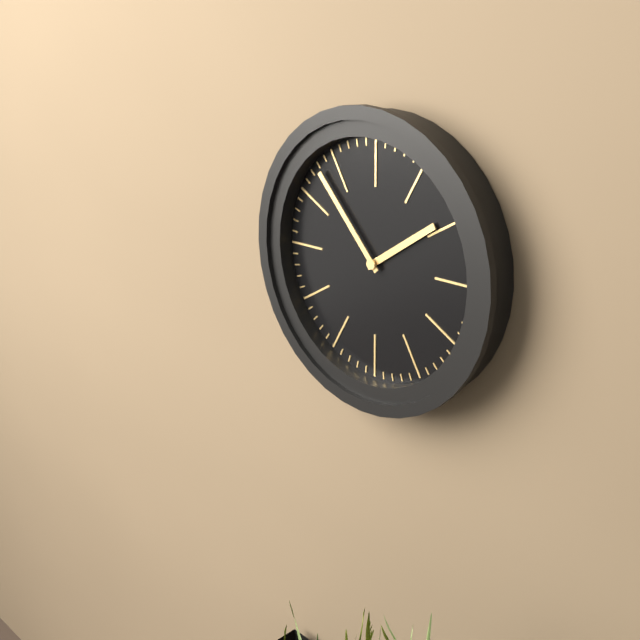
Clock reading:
1.53
